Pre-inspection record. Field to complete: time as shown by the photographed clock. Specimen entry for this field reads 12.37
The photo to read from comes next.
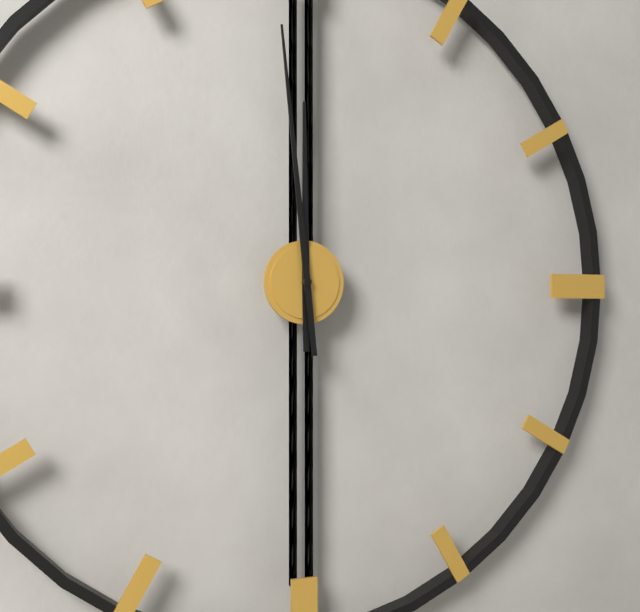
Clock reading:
11.59
